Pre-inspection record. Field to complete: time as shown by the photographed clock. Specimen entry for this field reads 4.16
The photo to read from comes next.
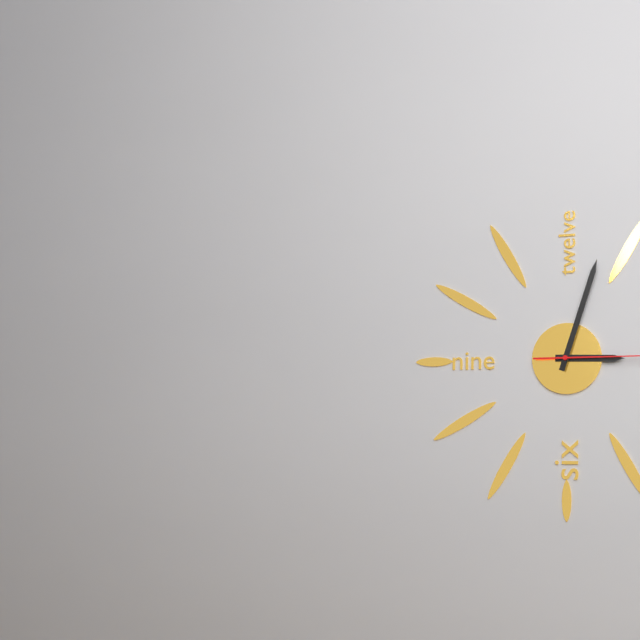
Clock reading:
3.03
